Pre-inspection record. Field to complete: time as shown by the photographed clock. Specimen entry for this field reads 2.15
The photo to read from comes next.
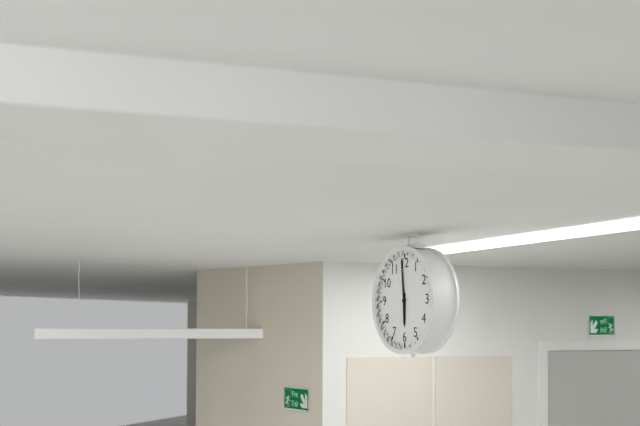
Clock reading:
5.59
